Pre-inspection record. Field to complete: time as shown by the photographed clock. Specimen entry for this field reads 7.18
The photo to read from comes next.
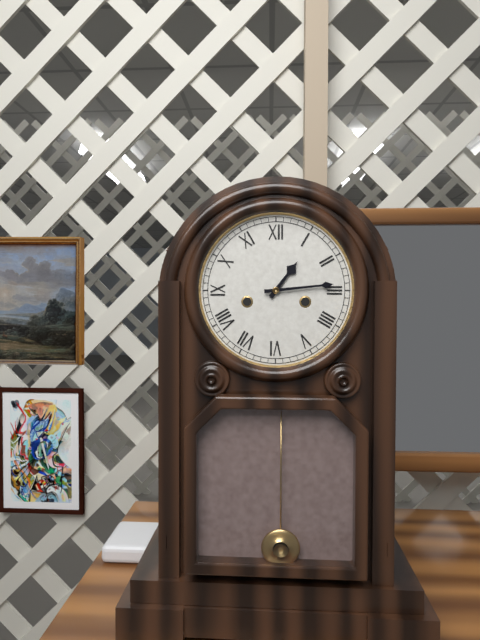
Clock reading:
1.14
